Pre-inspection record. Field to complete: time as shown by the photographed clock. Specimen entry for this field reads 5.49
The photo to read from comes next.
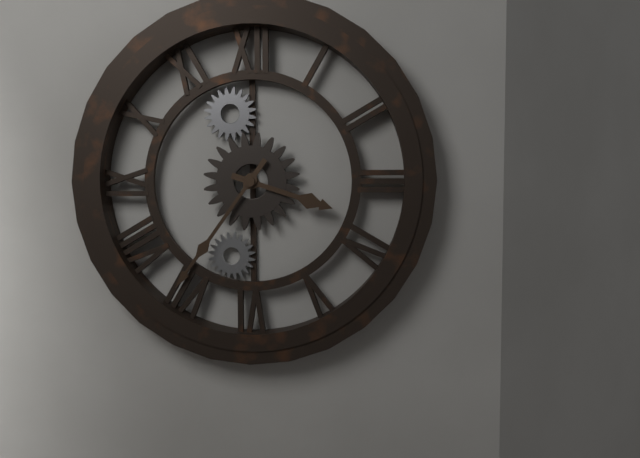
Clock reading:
3.36
